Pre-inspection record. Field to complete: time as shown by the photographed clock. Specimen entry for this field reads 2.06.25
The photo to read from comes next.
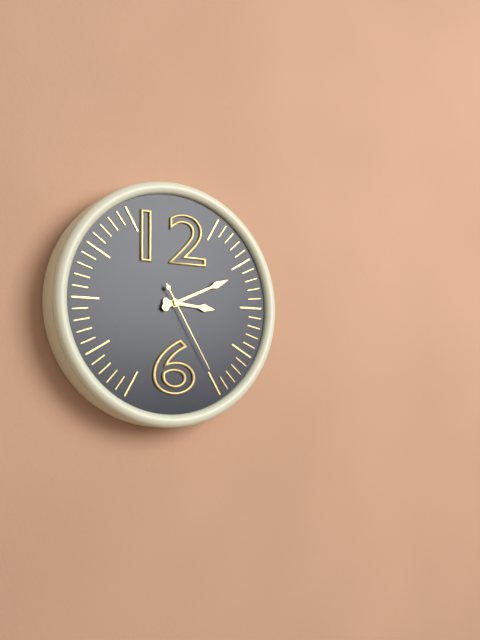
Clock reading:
3.11.25
